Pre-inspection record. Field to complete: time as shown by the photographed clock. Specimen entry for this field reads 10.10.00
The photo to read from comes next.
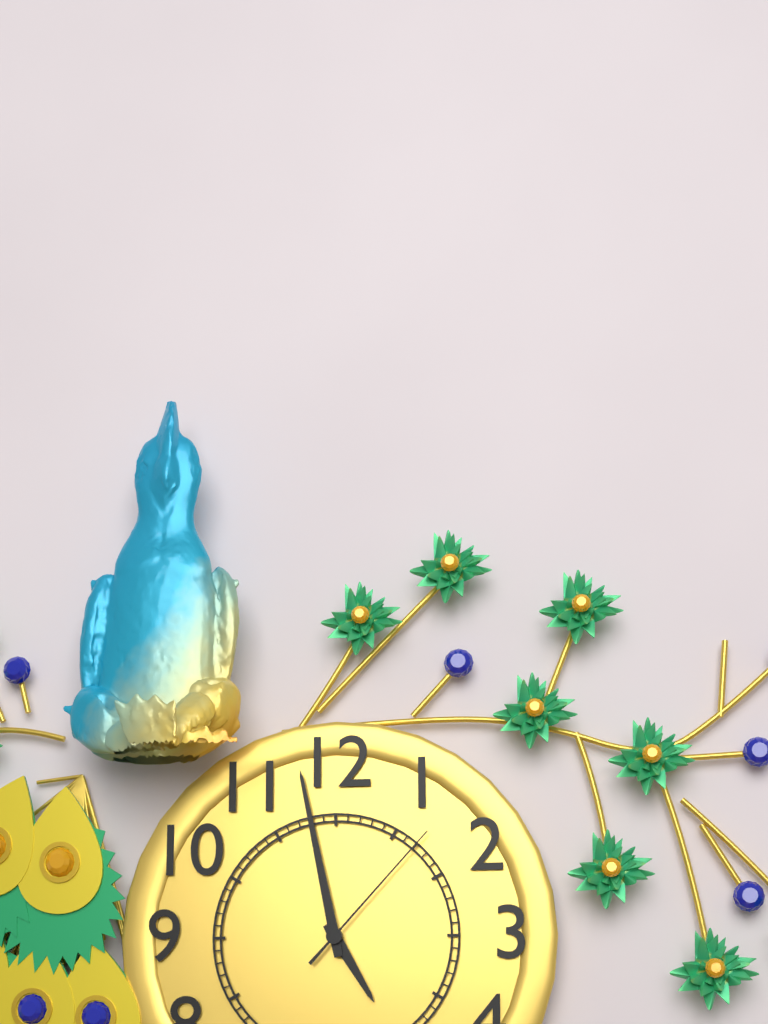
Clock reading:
4.58.07
